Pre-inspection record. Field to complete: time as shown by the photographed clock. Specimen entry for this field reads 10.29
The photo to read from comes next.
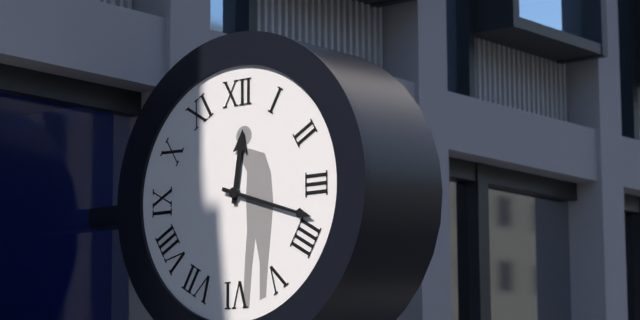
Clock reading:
12.18
